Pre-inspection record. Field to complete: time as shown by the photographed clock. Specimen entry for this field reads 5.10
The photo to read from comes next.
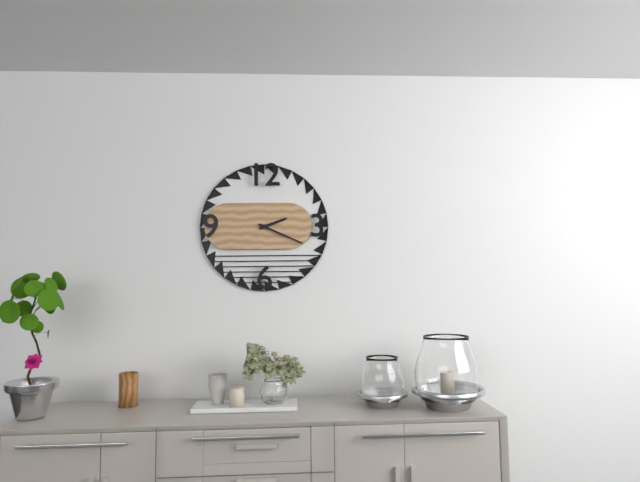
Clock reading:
2.19
